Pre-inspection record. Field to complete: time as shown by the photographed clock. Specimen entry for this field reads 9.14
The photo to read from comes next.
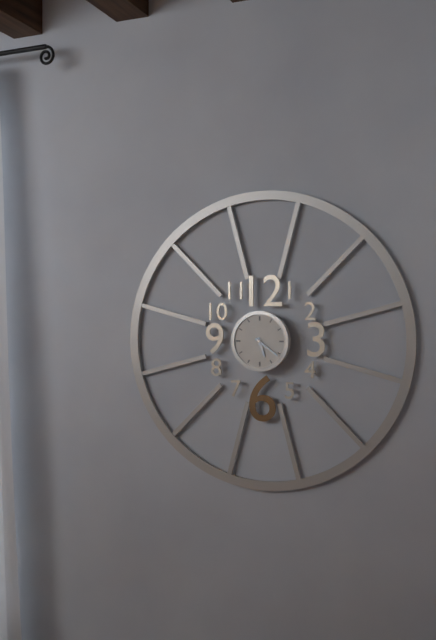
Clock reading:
5.21
